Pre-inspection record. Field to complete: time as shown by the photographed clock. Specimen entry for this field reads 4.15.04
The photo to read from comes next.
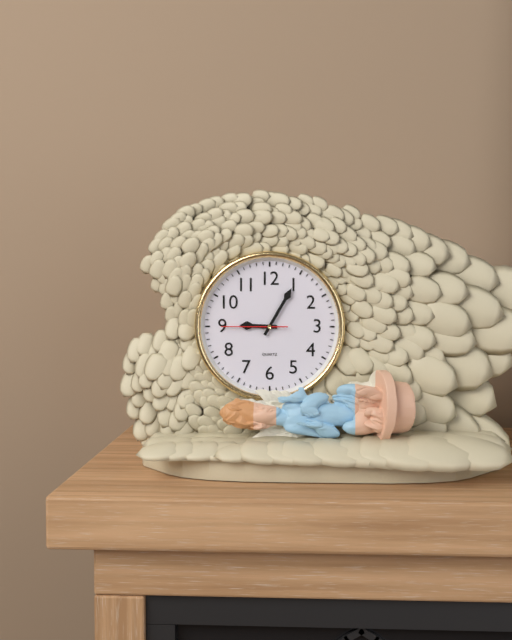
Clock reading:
9.05.45
